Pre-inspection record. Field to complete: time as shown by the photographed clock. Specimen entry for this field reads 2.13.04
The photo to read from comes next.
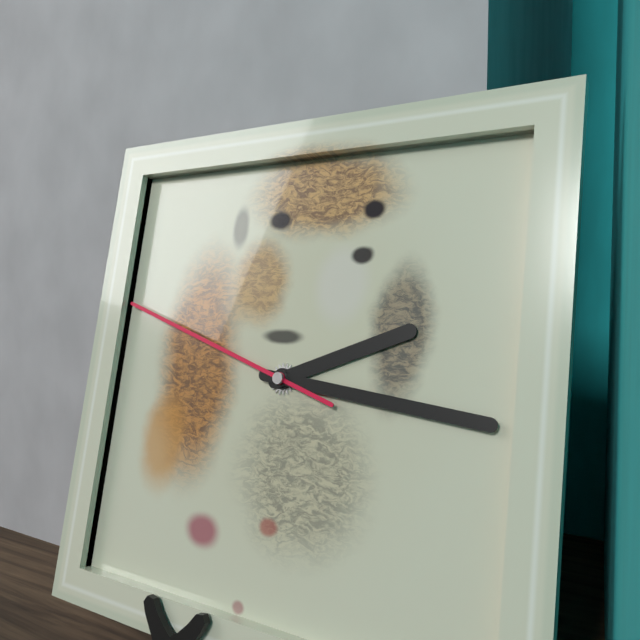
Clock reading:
2.16.48
